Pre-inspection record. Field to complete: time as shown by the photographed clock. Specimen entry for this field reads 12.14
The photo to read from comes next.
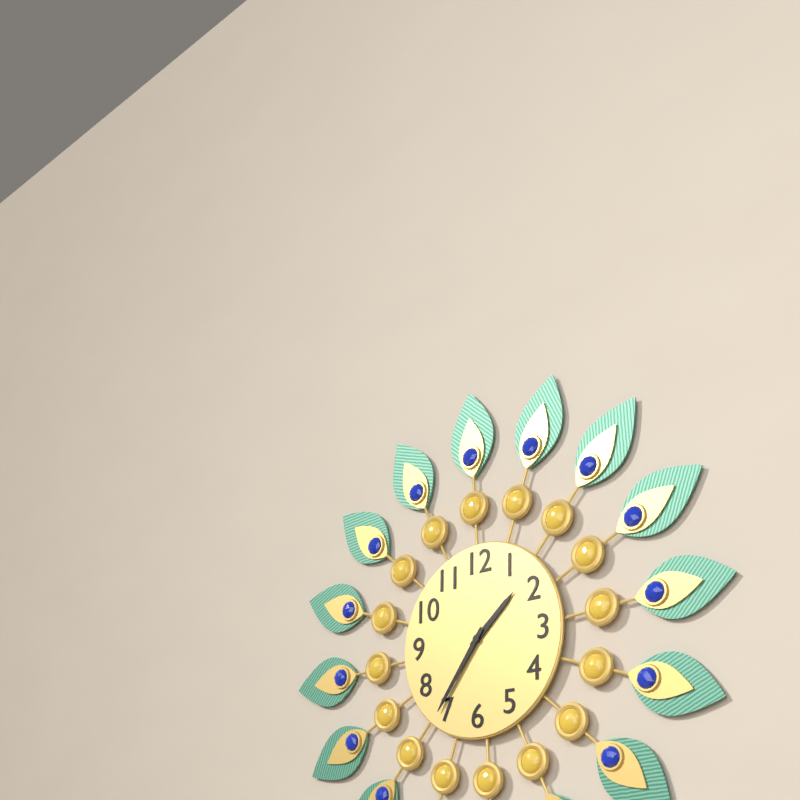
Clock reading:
1.36
